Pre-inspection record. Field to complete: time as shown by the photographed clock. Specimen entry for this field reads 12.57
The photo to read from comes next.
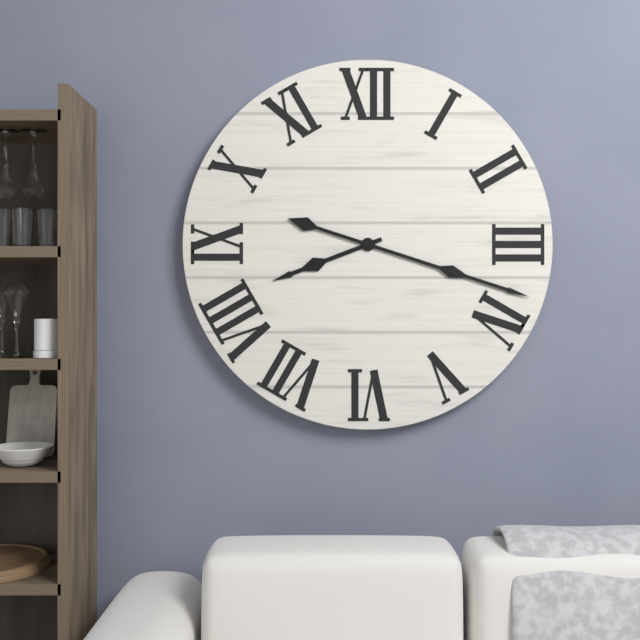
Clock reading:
8.18
